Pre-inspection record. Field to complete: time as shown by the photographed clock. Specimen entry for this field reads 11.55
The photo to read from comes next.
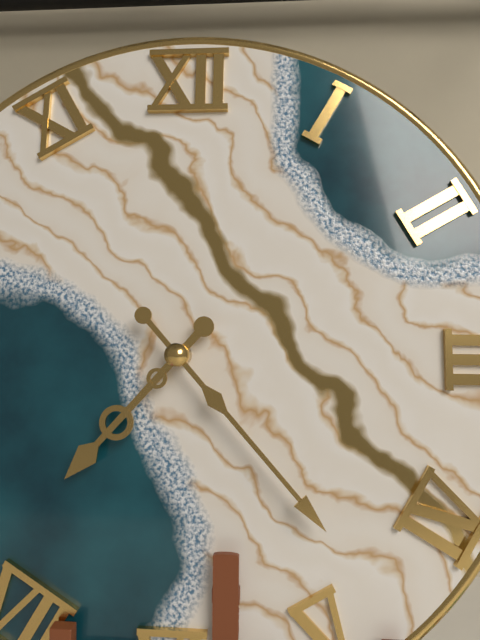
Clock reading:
7.23
